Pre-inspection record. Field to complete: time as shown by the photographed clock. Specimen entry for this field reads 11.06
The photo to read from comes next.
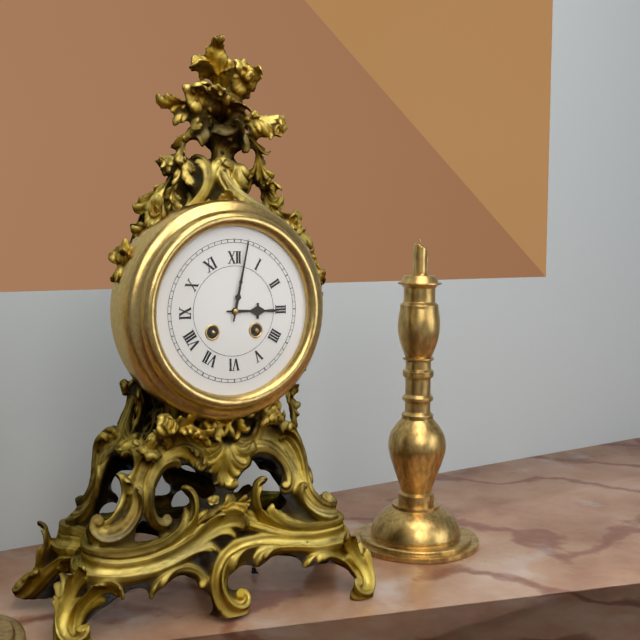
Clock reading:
3.02
